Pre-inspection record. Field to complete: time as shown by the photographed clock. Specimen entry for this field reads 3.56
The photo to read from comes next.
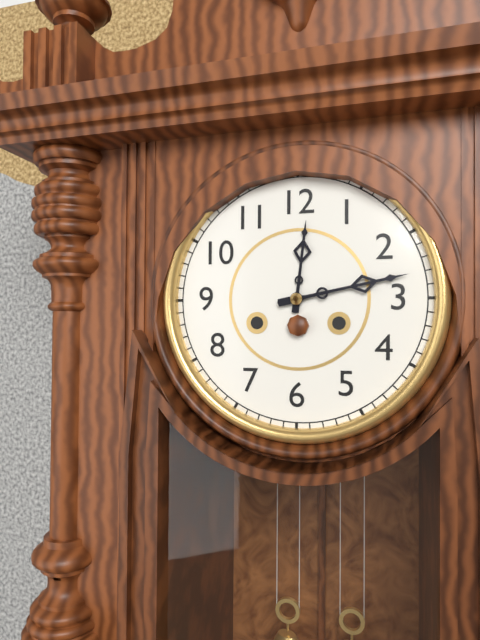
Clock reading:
12.13
